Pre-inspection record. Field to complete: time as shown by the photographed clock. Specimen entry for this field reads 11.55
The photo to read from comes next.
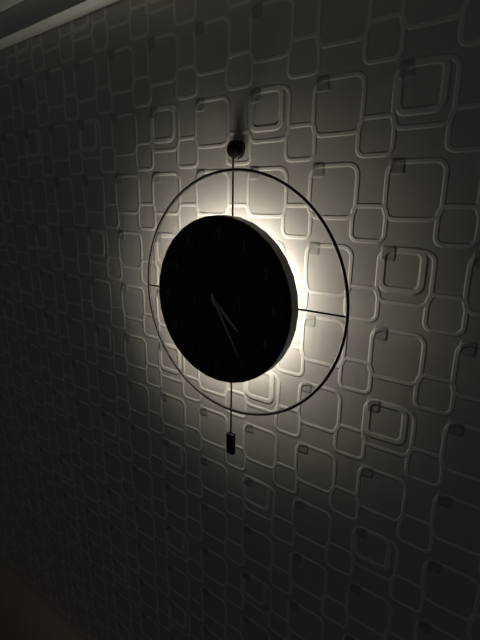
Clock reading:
4.25
